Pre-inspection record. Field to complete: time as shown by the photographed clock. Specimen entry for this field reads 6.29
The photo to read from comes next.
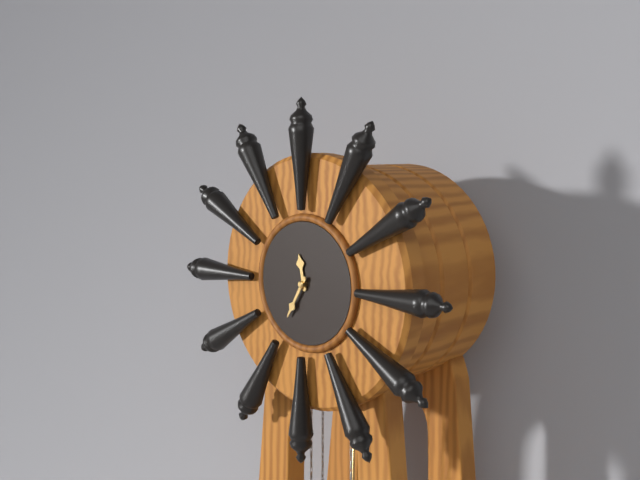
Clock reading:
11.35
